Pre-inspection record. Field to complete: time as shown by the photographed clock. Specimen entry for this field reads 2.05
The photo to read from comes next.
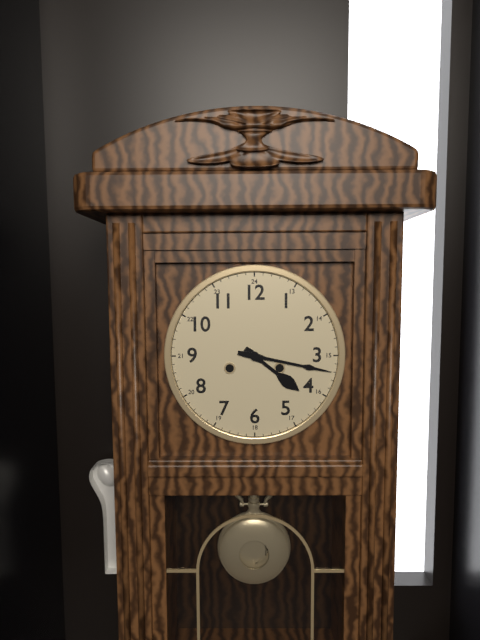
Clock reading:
4.17
